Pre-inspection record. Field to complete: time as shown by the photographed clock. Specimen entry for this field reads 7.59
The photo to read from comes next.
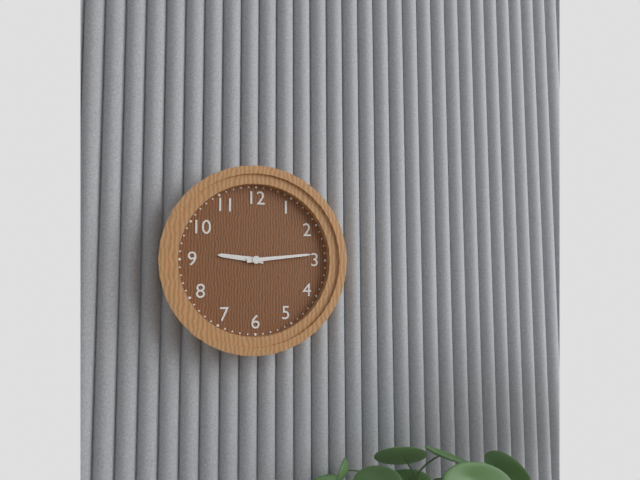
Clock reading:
9.14
